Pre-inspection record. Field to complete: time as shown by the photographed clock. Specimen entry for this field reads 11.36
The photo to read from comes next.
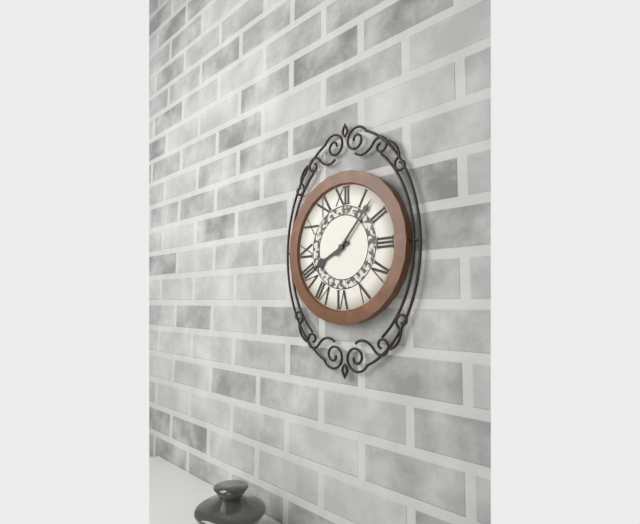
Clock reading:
8.07
